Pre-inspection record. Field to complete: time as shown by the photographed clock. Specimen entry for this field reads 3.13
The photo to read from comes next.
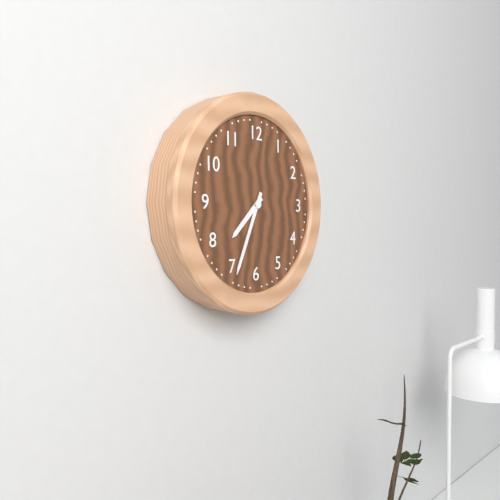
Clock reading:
7.34
